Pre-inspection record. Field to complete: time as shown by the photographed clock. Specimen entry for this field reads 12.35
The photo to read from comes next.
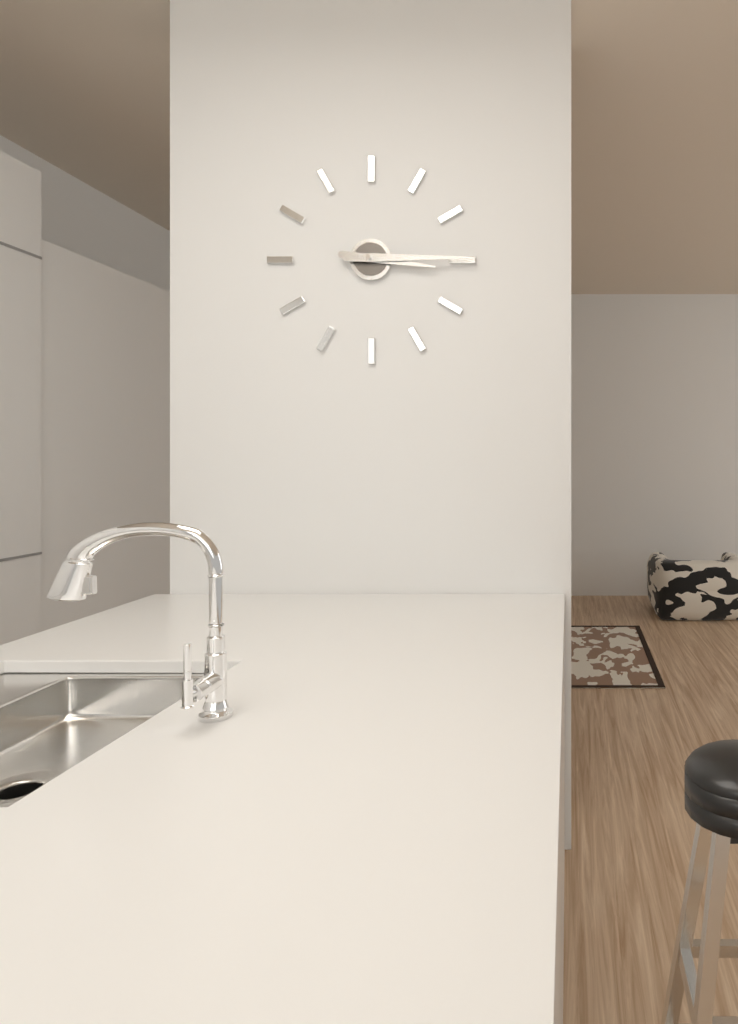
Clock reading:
3.15
